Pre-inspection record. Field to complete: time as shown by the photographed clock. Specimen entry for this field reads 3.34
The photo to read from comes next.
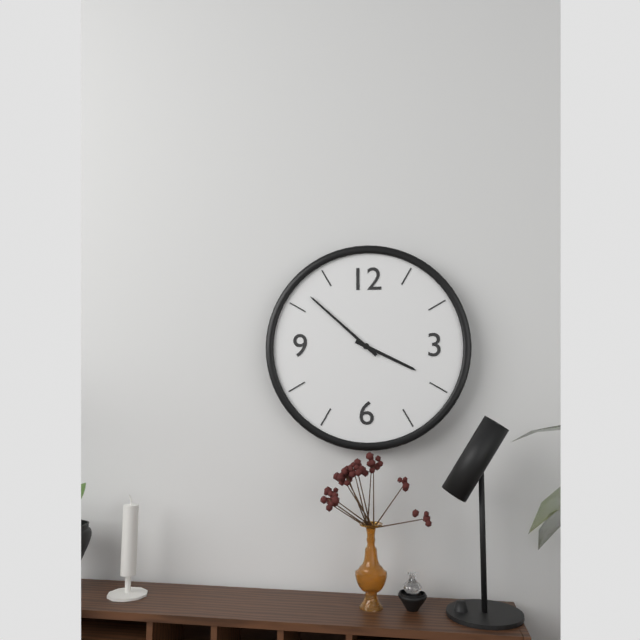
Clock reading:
3.52
